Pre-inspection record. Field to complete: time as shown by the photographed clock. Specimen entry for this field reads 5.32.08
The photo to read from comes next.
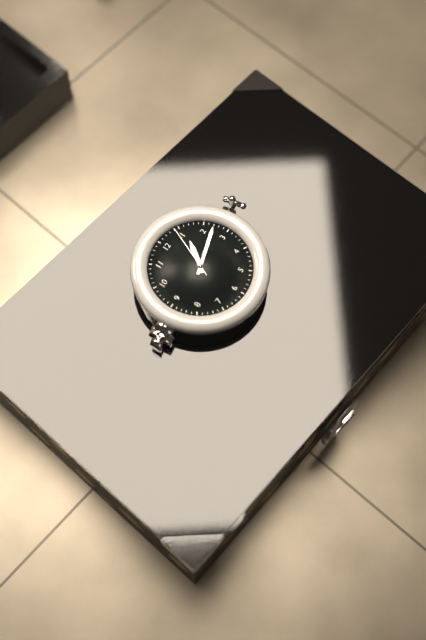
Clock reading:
1.12.04
